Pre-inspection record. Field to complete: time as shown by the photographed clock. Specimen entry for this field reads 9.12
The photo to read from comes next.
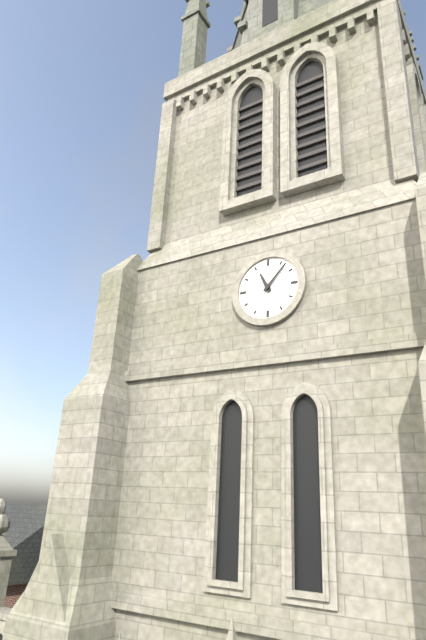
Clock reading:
11.07
